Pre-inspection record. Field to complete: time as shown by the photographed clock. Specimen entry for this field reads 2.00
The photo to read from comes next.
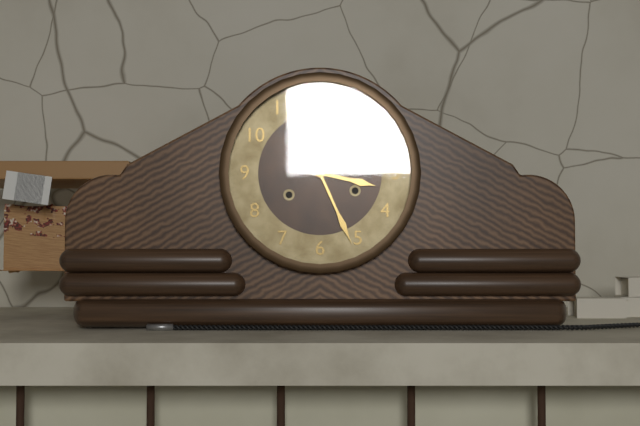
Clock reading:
3.26
